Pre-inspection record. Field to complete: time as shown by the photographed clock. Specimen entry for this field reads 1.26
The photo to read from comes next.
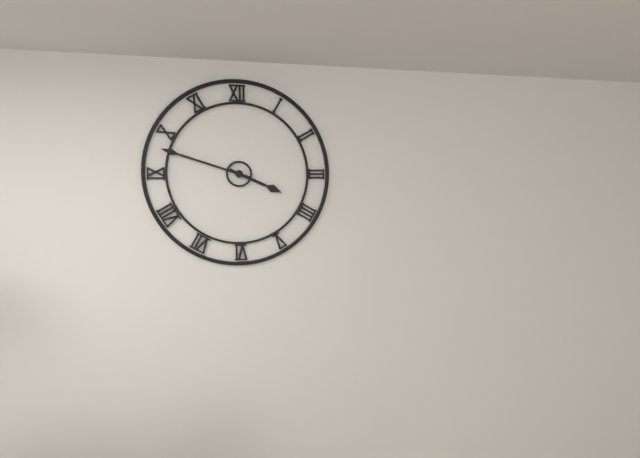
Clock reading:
3.48
